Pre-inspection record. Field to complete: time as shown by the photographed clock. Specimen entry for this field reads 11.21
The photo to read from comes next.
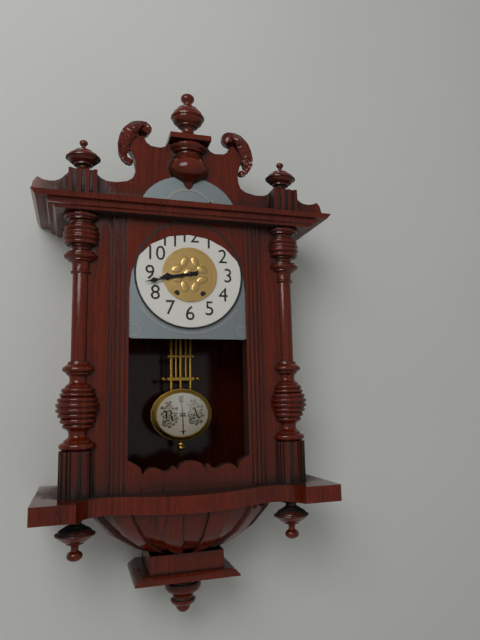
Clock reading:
8.43
